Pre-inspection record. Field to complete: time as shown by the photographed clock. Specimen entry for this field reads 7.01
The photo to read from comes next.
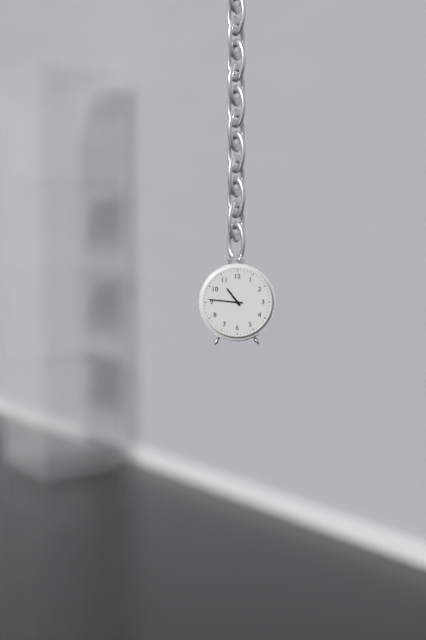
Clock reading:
10.46
